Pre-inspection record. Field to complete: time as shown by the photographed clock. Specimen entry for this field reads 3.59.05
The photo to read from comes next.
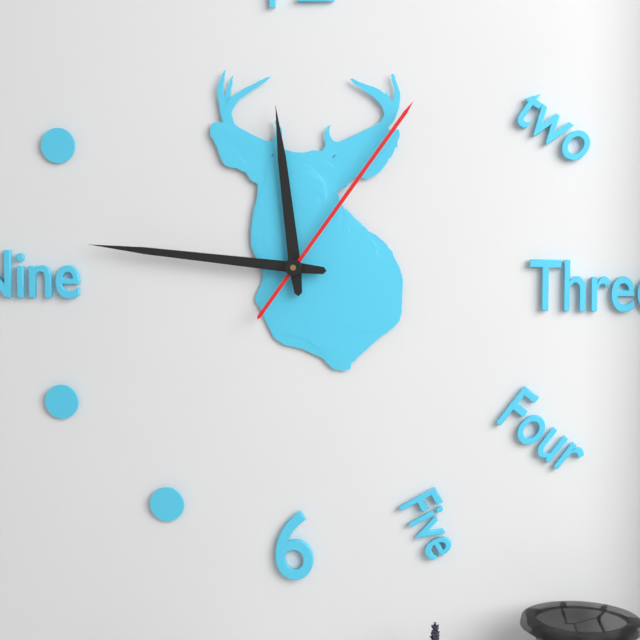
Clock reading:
11.46.06
